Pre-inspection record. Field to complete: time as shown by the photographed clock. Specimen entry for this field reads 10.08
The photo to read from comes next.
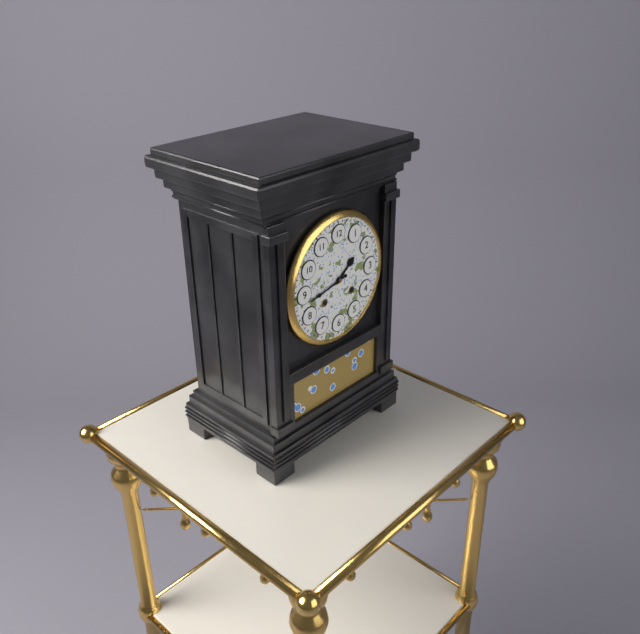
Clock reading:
1.43
